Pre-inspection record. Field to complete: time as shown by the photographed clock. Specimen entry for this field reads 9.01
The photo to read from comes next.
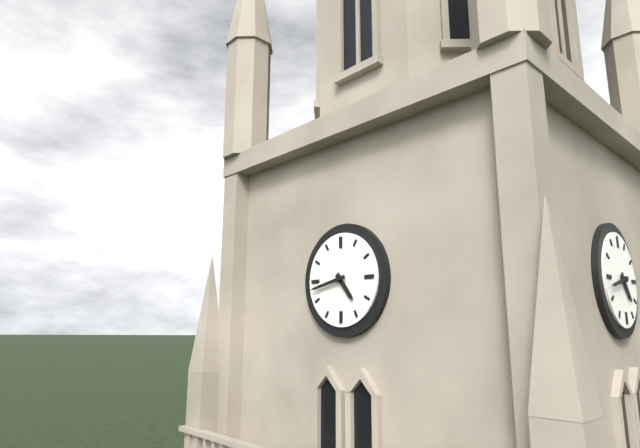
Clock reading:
4.43
